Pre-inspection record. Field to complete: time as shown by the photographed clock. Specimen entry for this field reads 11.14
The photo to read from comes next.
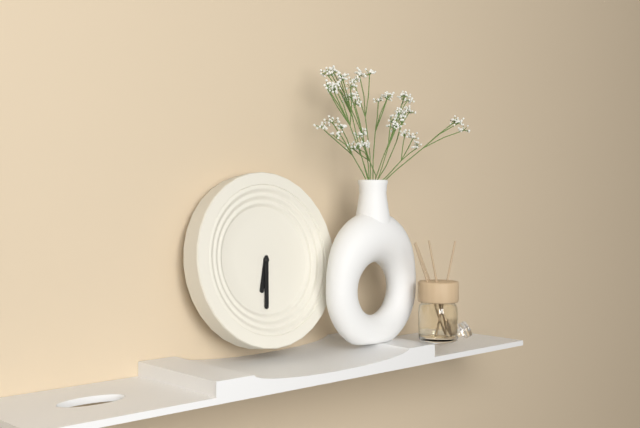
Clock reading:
6.31
